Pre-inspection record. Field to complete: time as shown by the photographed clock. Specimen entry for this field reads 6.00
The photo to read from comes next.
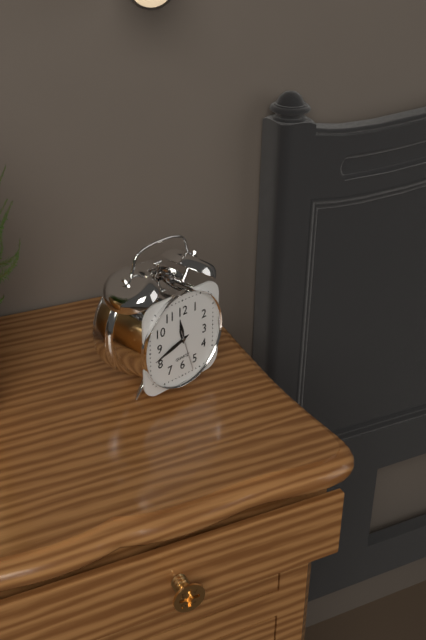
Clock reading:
11.42
